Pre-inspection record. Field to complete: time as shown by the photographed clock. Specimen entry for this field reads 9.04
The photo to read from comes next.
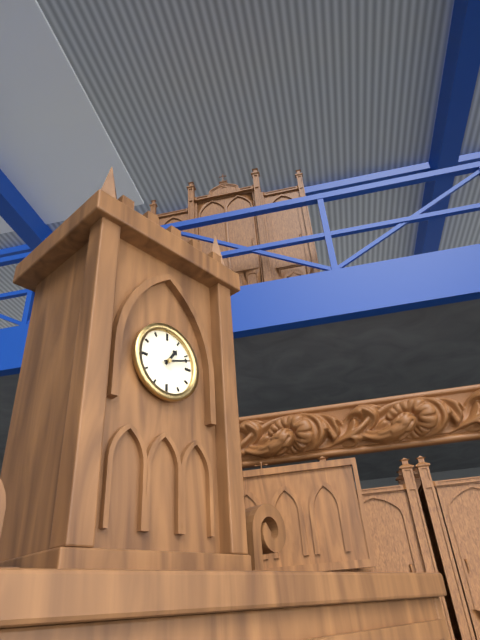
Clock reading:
1.12
